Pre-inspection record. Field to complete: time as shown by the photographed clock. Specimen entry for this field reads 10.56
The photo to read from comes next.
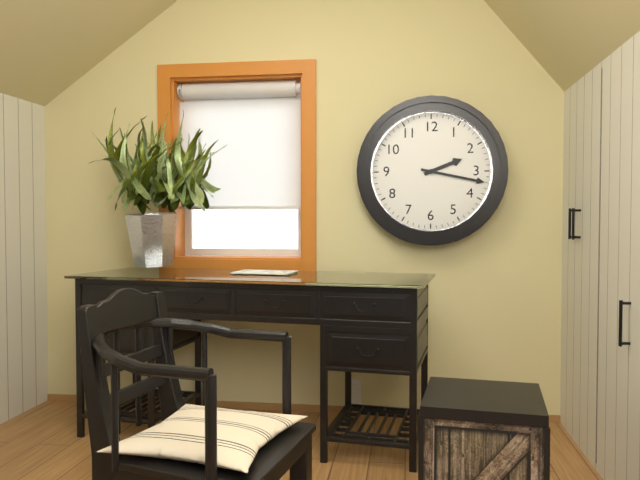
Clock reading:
2.17
